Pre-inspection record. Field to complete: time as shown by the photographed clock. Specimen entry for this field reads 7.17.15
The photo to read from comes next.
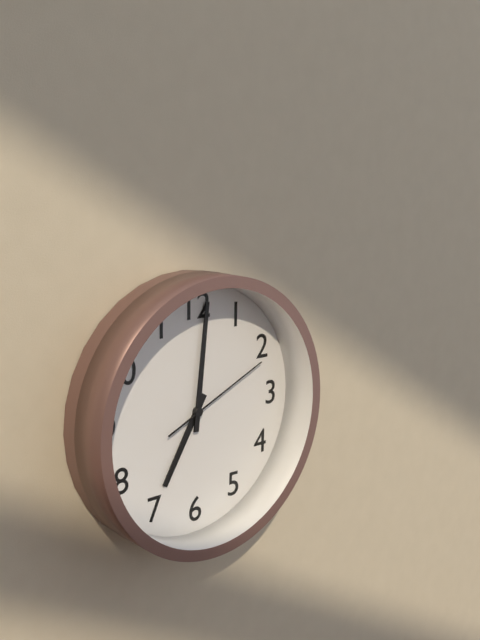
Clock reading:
7.01.11
